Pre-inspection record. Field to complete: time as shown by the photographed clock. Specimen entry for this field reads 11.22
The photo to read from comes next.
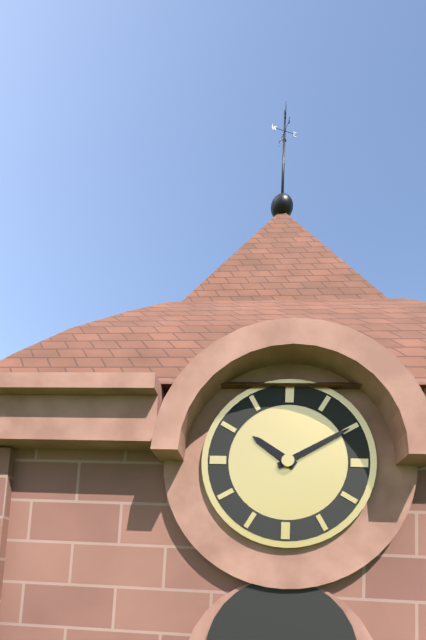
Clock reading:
10.10
